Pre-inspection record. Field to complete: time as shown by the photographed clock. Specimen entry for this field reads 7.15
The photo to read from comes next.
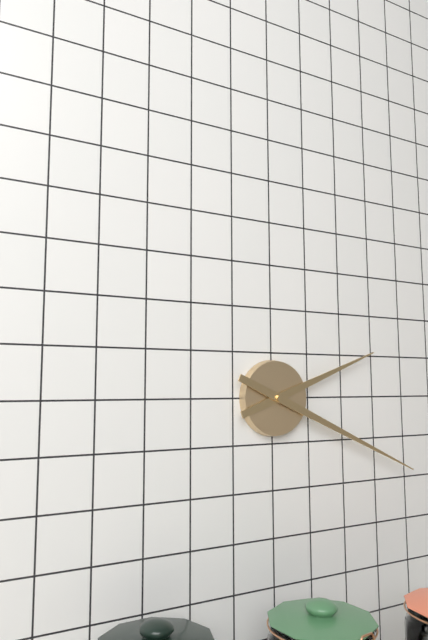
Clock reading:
2.19
